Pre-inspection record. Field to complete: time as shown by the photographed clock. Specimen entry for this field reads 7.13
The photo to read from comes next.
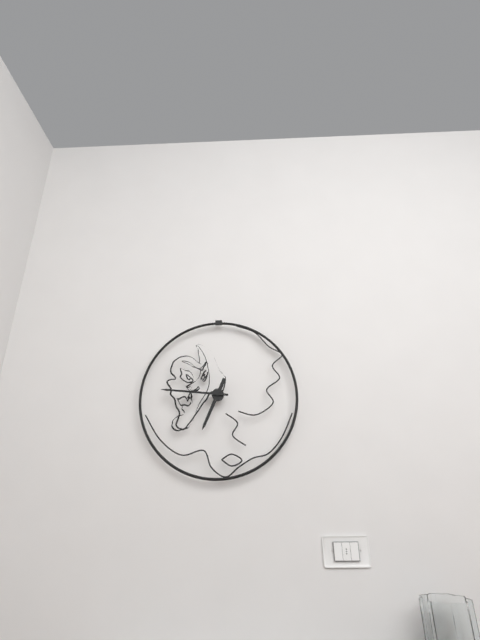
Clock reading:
6.46
